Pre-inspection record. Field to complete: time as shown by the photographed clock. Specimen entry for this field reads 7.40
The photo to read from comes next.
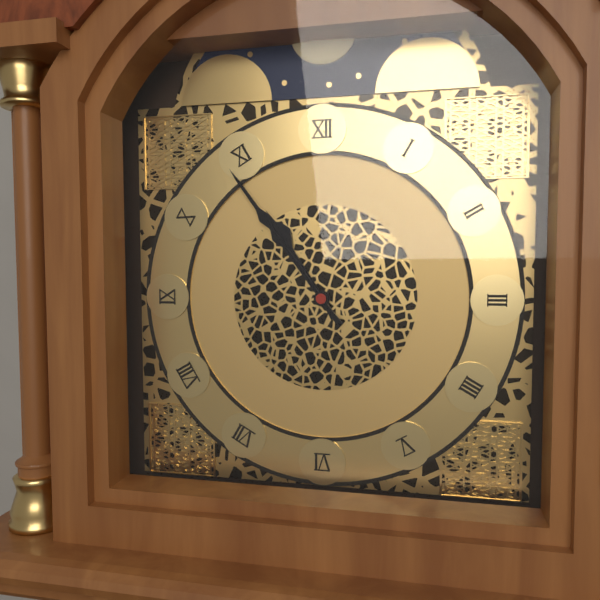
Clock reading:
10.54
